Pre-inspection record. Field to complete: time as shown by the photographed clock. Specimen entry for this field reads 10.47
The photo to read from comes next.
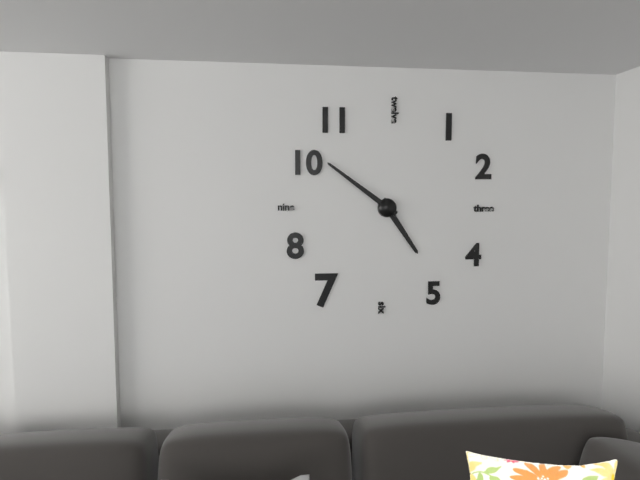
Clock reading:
4.51
